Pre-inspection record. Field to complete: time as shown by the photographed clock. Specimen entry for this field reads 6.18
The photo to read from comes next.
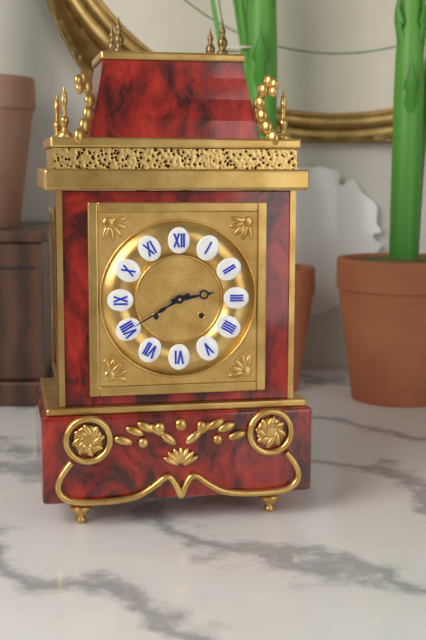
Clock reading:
2.40
